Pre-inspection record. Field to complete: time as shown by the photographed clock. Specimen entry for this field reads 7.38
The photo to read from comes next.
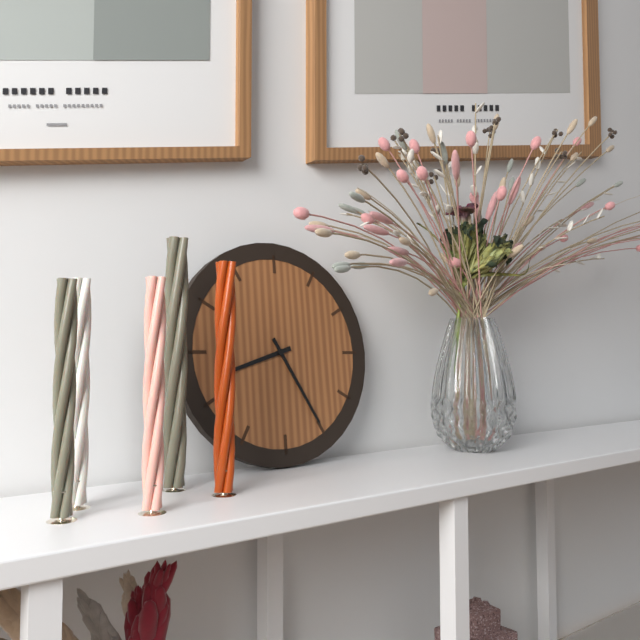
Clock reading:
8.25
